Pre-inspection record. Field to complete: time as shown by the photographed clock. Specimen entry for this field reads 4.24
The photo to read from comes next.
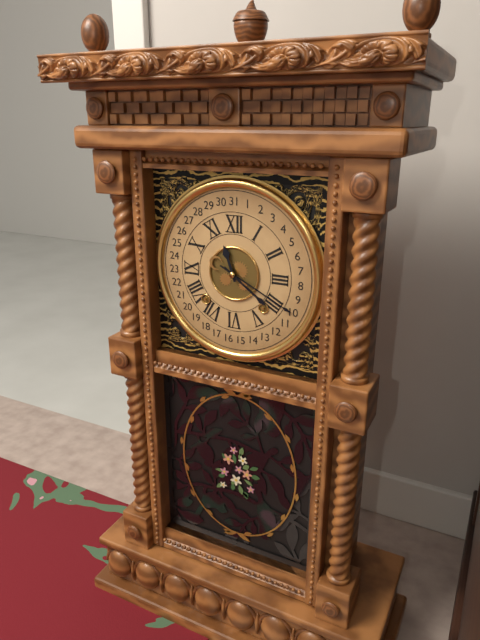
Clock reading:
11.21
